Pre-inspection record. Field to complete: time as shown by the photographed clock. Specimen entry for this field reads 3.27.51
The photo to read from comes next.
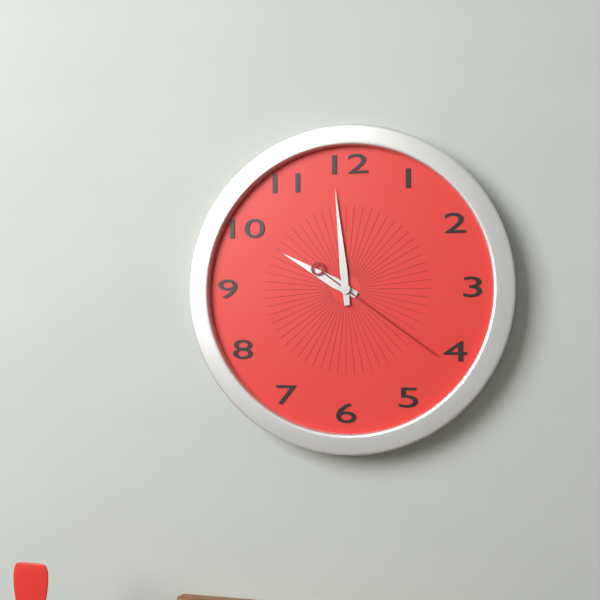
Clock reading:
9.59.21
